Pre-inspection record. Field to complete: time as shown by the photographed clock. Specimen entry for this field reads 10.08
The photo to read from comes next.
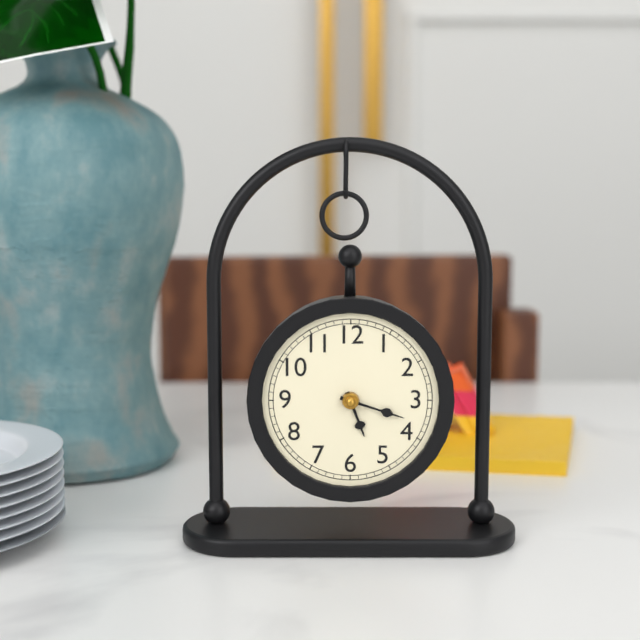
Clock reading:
5.18
